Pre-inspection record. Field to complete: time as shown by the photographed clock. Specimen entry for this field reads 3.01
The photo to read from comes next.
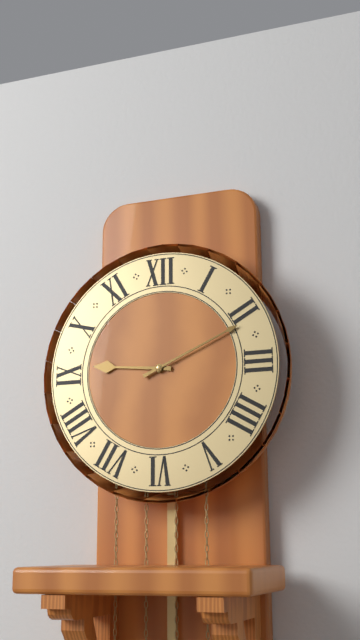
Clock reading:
9.11
